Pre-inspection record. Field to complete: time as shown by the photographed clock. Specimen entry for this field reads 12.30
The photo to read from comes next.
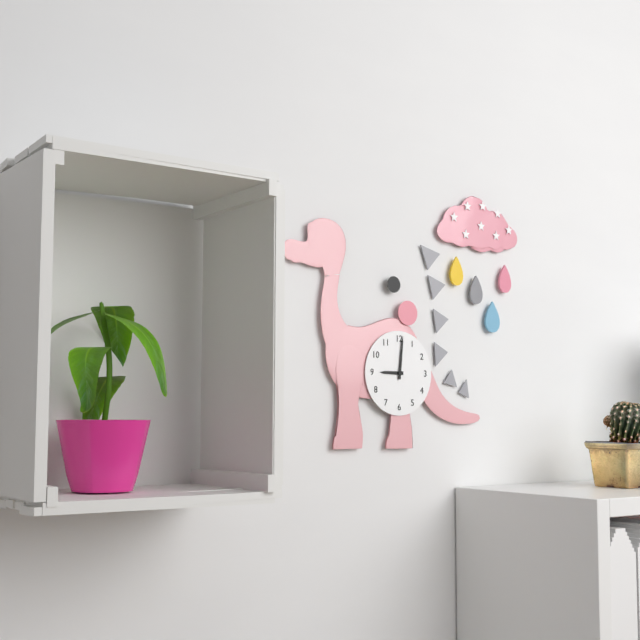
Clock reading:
9.01
